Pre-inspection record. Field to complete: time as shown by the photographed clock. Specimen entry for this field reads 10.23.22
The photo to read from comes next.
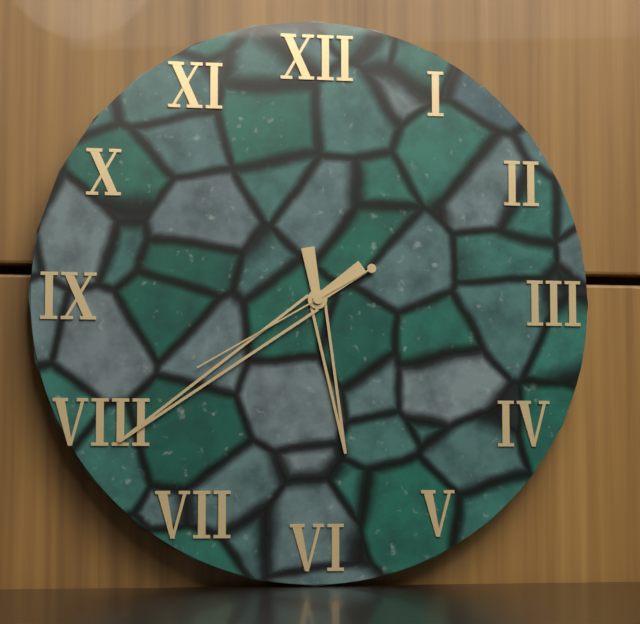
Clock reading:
5.39.40
